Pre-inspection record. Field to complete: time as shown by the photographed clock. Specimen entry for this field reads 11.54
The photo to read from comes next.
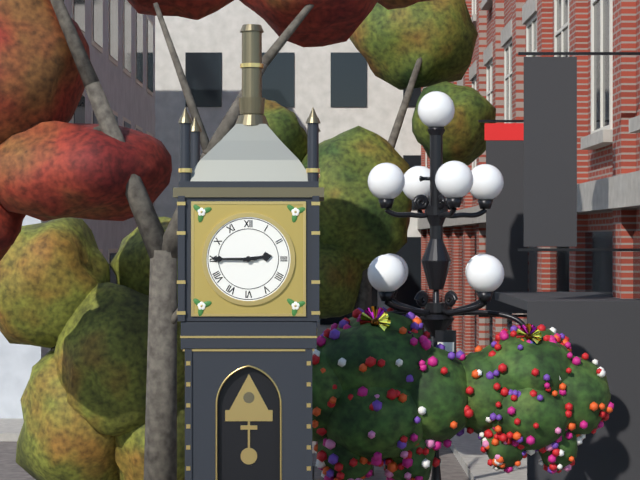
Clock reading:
2.45
